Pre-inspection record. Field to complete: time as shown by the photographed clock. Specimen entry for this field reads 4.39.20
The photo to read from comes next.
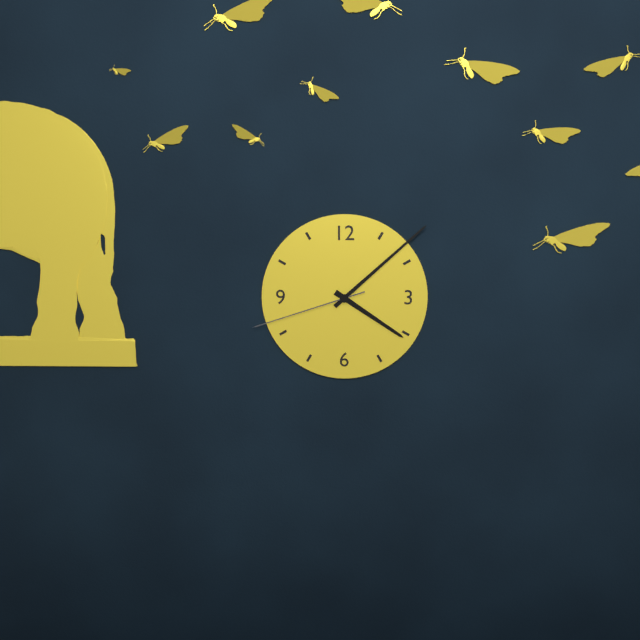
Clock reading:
4.08.42
